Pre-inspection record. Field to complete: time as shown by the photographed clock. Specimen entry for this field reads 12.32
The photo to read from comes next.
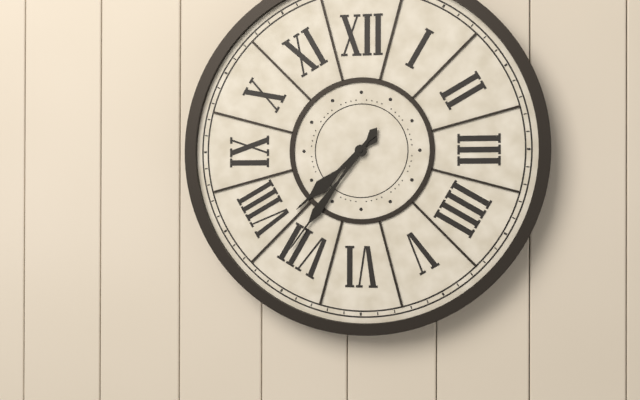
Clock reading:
7.36
